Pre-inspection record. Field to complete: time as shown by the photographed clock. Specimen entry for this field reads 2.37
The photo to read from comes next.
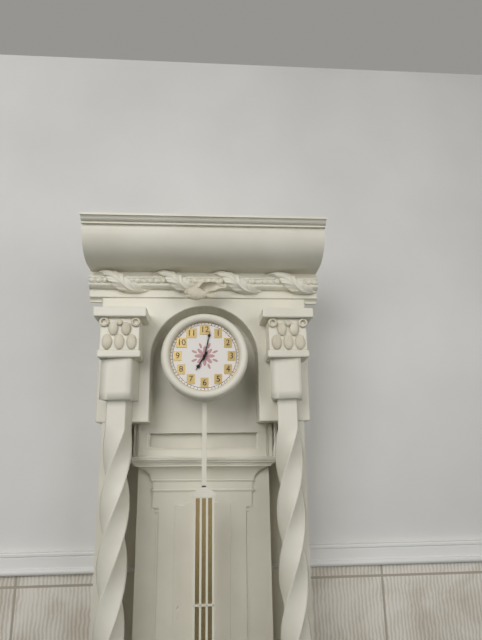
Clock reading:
7.02
